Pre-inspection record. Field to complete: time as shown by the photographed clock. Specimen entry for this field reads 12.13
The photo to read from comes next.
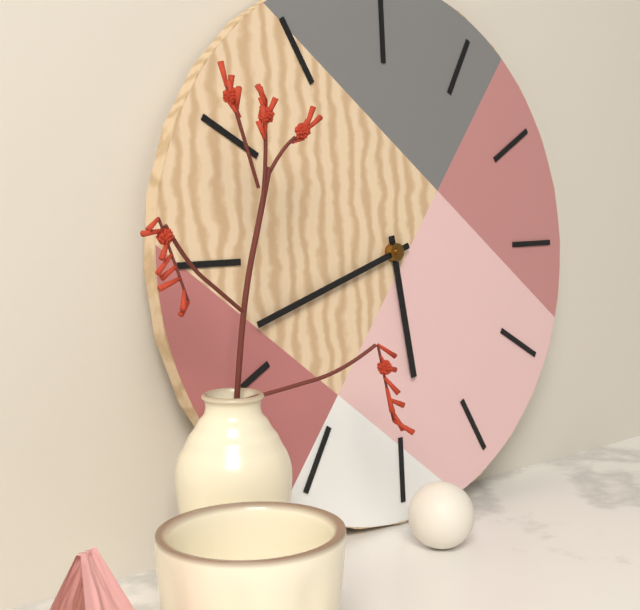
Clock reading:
5.42
